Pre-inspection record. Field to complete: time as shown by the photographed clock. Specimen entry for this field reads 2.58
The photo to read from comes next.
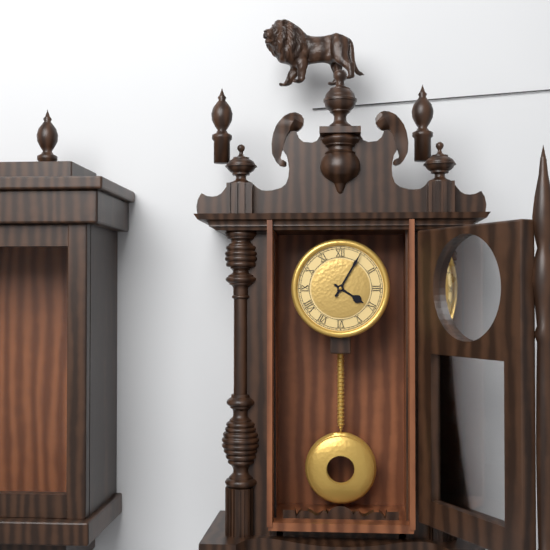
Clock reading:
4.05
